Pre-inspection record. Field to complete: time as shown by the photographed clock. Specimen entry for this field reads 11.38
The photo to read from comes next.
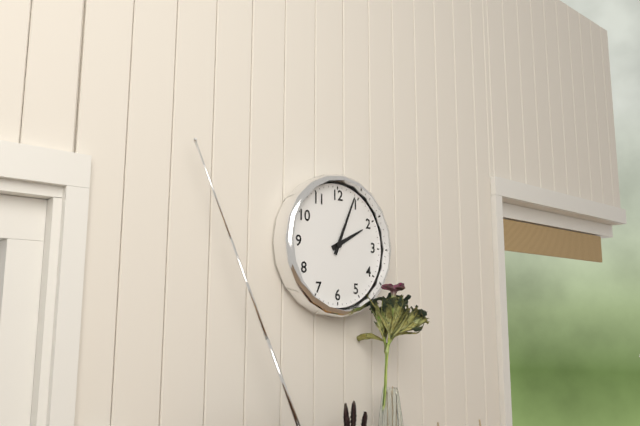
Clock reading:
2.04
